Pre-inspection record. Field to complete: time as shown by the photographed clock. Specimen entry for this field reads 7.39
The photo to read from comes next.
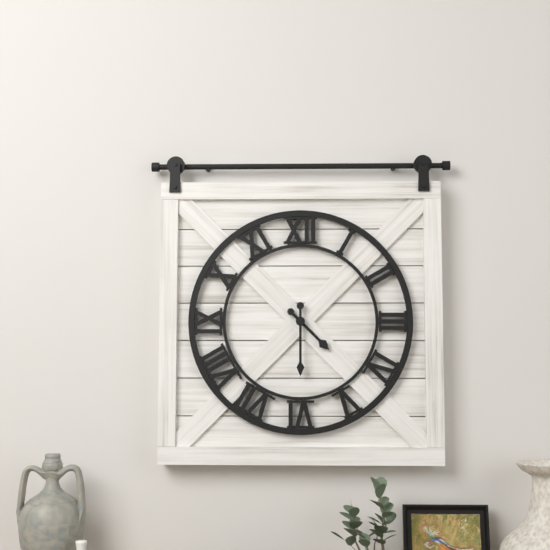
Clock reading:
4.30
